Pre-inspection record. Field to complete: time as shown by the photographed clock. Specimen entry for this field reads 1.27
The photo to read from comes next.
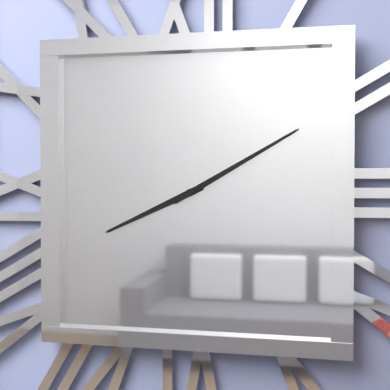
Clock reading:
8.10
